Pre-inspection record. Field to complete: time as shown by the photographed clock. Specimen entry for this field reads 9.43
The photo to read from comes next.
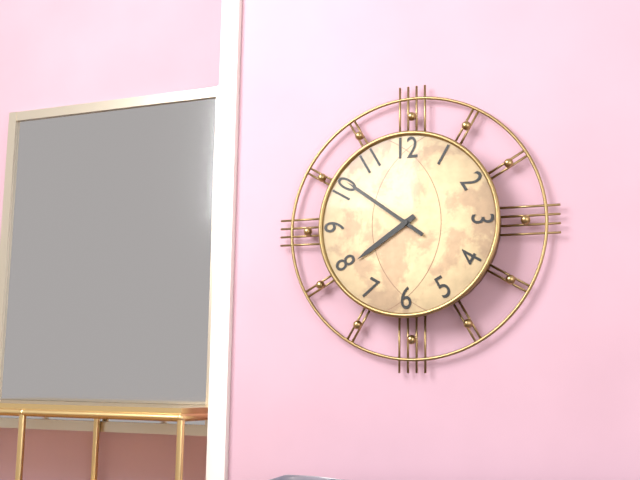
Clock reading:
7.51
